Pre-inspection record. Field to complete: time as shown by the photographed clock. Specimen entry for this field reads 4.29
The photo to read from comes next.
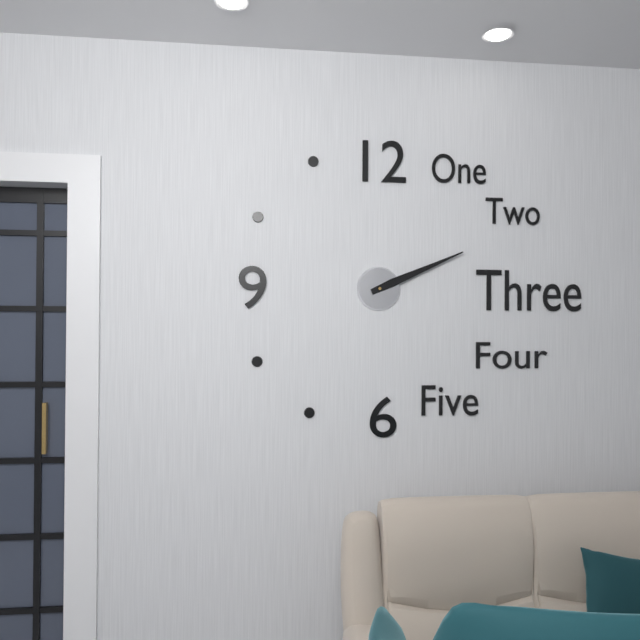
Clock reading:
2.11
